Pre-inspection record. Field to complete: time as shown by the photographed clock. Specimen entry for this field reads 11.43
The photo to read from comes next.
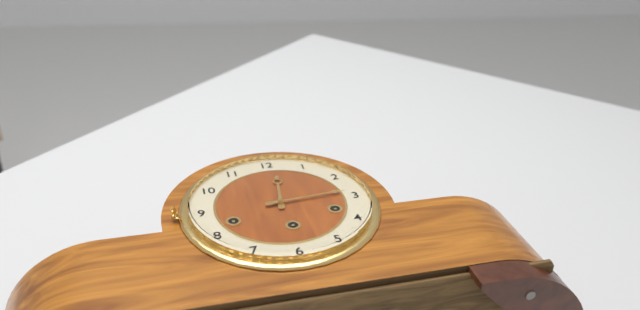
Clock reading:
12.14
